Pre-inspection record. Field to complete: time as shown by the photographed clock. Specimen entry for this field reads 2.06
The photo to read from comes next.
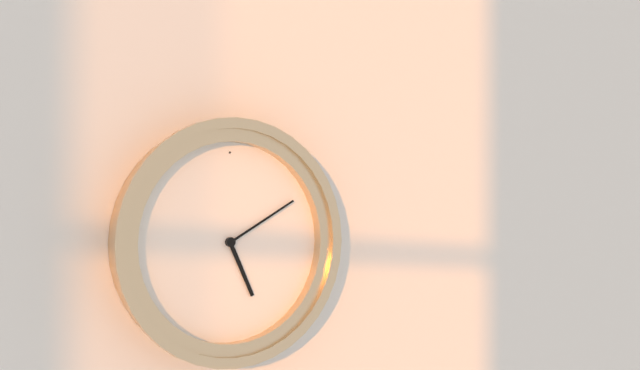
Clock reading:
5.10
